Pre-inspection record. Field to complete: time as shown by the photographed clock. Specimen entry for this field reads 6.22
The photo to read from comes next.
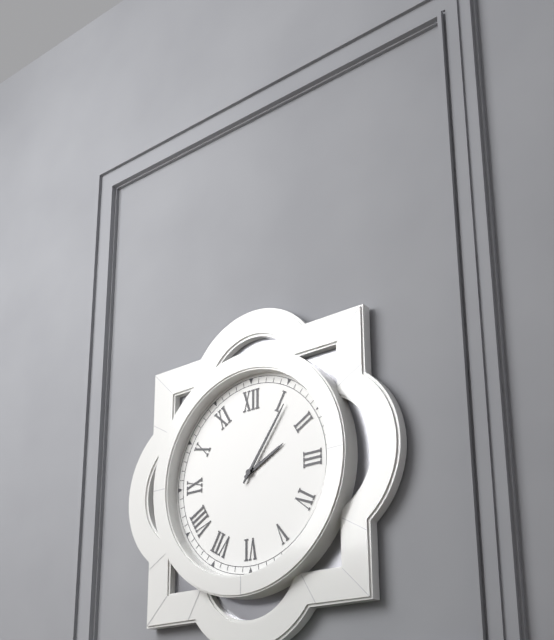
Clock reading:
2.06
